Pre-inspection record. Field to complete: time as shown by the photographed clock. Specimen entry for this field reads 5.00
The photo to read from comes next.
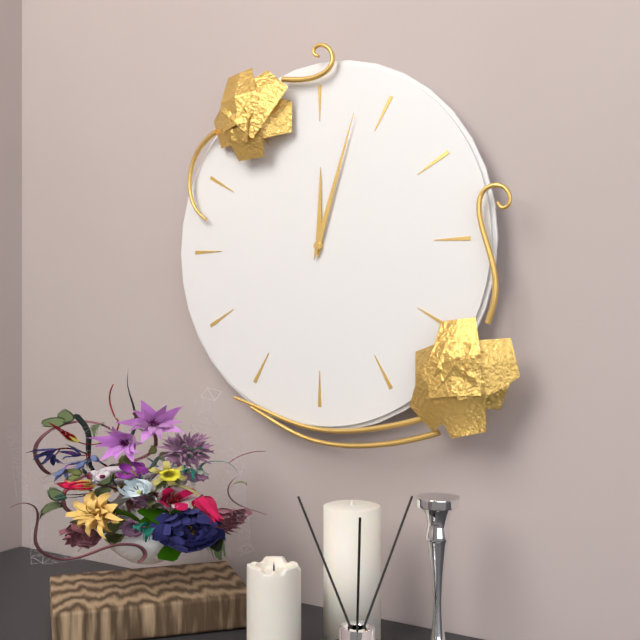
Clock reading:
12.03
